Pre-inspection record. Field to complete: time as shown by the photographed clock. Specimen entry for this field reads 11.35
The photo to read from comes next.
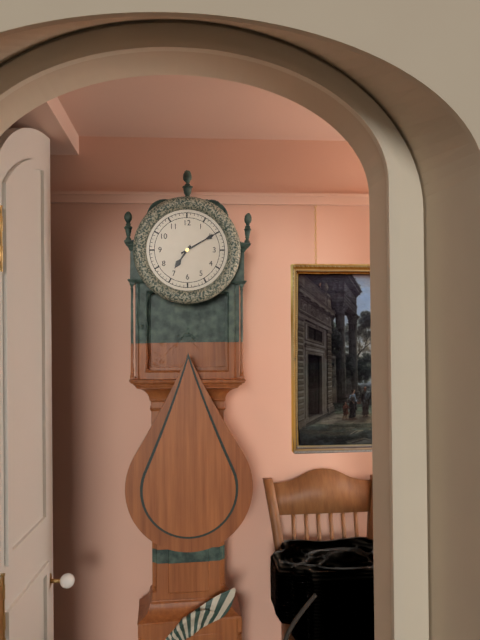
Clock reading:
7.10
